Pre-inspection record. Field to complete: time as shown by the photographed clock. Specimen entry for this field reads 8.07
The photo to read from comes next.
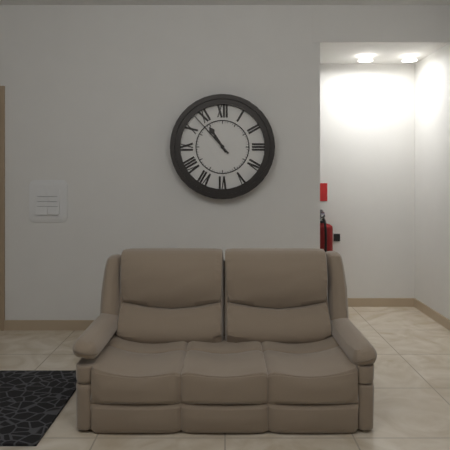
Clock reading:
10.53
